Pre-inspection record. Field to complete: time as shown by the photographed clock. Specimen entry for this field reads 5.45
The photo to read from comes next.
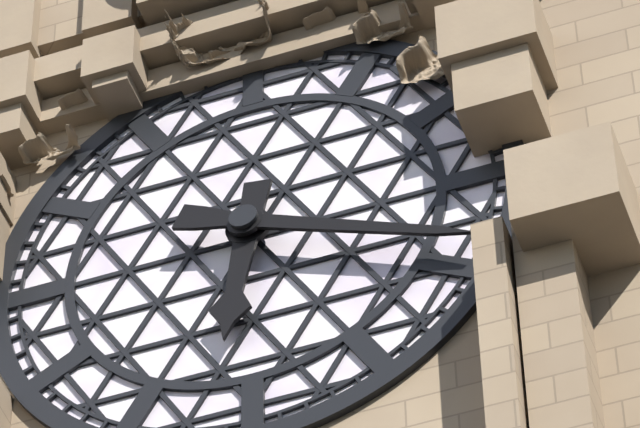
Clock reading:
6.19
